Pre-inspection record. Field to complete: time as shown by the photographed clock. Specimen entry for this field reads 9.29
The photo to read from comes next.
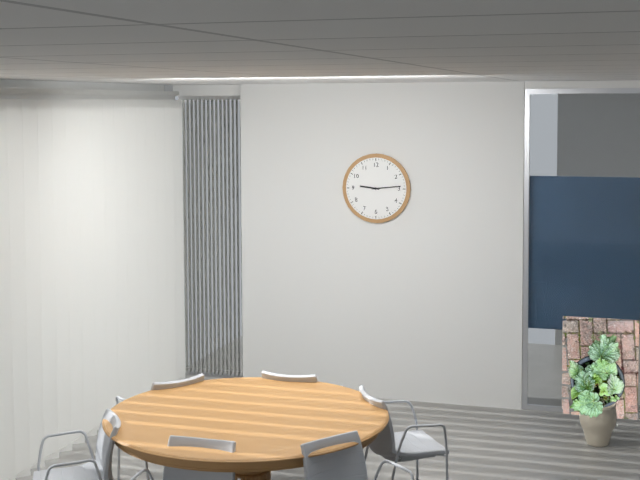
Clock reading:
9.14
